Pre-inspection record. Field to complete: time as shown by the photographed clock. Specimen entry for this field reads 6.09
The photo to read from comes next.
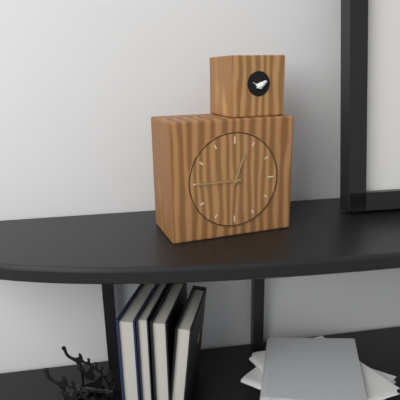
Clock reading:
12.45
